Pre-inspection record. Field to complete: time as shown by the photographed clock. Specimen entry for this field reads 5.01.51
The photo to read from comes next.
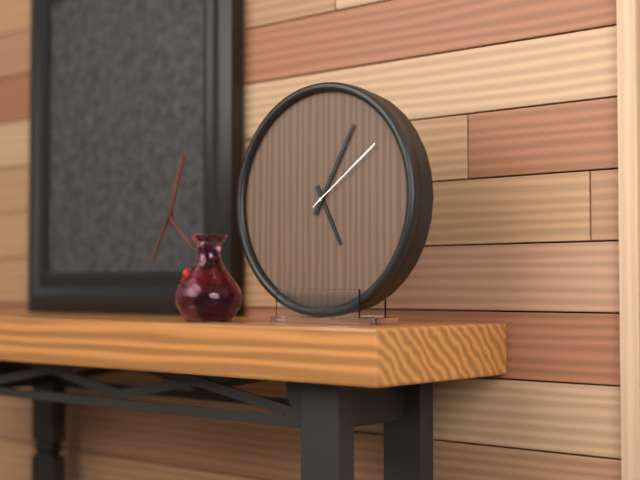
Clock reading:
5.05.09
